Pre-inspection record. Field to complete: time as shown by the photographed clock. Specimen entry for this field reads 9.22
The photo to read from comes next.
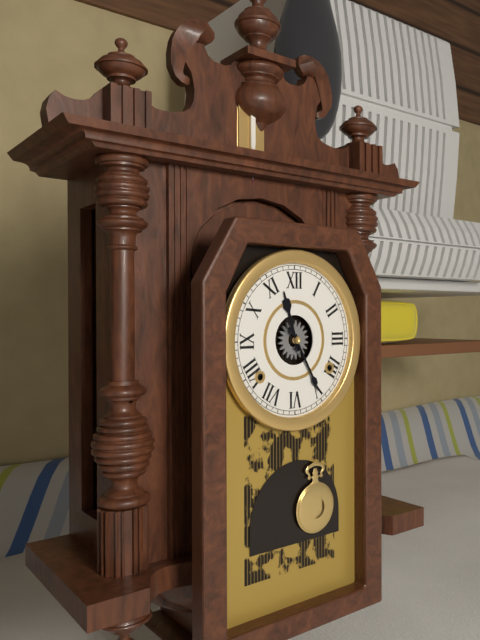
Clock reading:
11.25
